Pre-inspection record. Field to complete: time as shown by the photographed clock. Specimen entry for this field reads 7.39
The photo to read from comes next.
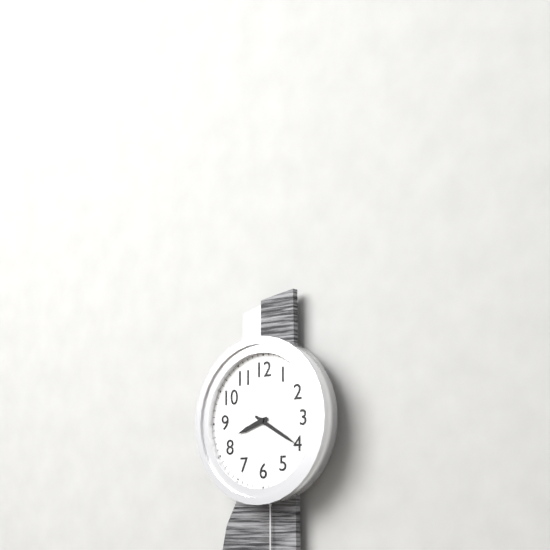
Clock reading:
8.20
